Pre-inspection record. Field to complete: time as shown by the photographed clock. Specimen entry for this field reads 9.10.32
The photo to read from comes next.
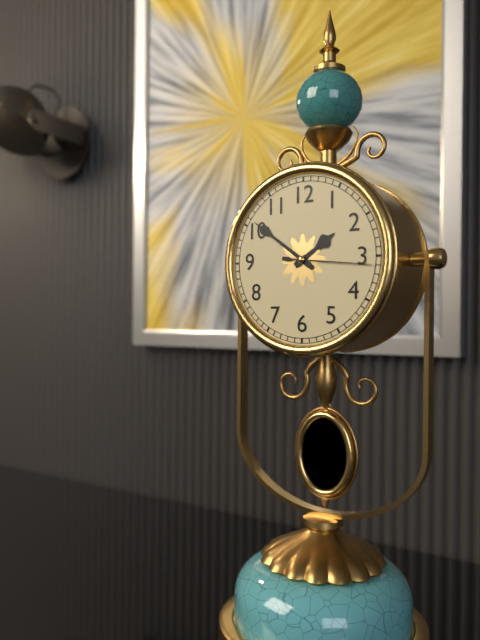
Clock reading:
1.51.16
